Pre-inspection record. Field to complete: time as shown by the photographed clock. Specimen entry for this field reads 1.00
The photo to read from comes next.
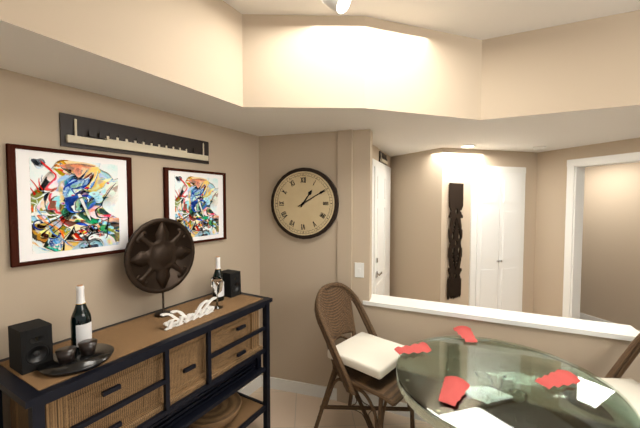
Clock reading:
1.10
